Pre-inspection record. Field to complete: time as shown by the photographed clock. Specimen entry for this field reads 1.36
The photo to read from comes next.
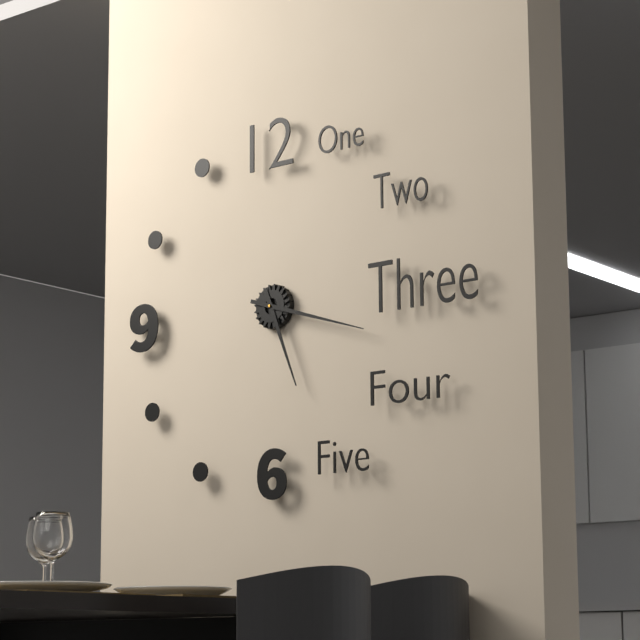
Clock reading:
5.18
